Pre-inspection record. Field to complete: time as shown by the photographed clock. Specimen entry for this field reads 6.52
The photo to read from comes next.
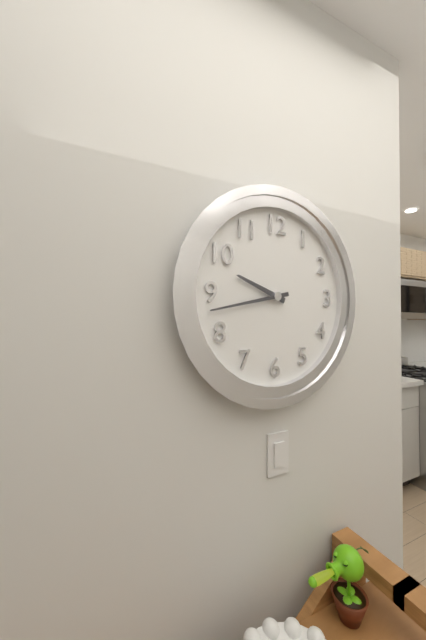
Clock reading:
9.43
